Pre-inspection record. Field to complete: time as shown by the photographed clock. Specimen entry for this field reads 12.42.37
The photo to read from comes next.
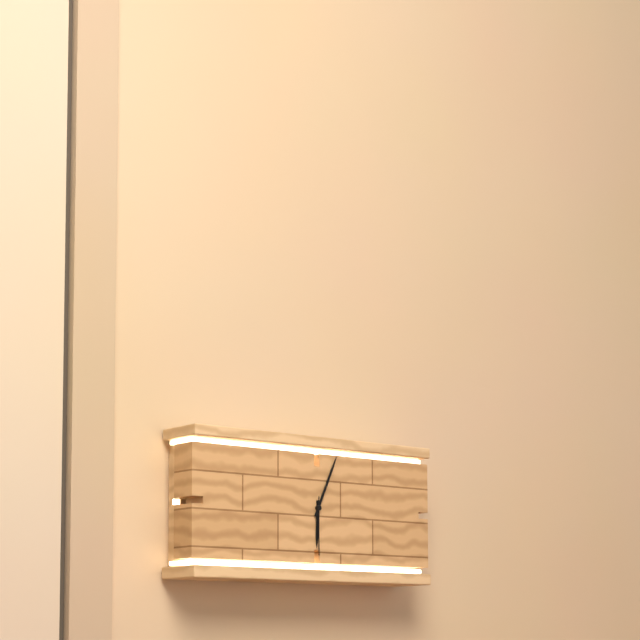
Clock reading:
6.04.30
